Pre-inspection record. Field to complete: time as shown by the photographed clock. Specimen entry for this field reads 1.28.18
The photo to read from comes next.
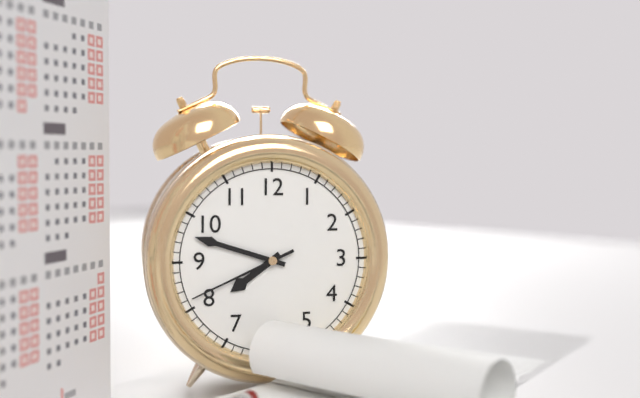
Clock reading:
7.48.41
